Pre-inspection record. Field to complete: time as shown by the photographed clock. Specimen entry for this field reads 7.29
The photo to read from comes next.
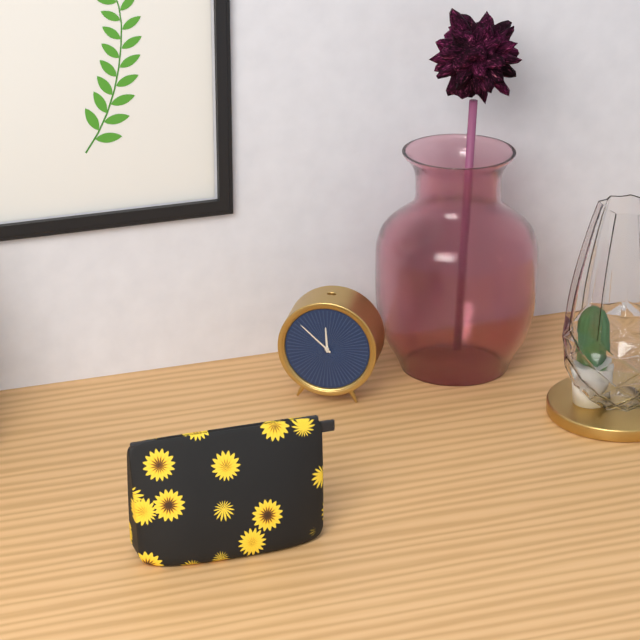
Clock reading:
11.52
